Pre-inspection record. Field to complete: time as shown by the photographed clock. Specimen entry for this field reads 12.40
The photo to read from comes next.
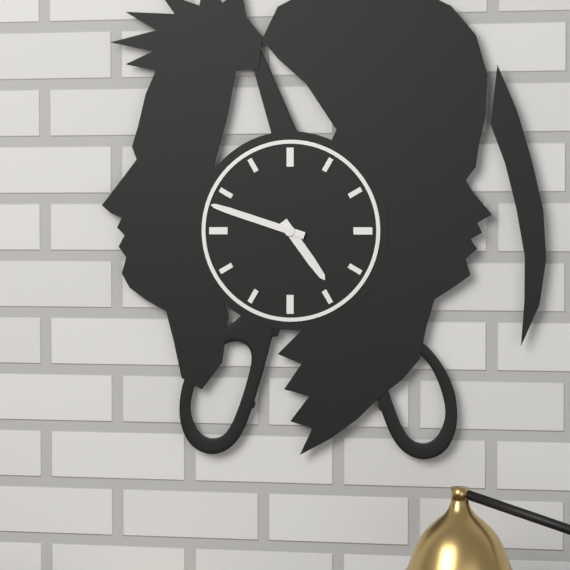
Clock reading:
4.48
